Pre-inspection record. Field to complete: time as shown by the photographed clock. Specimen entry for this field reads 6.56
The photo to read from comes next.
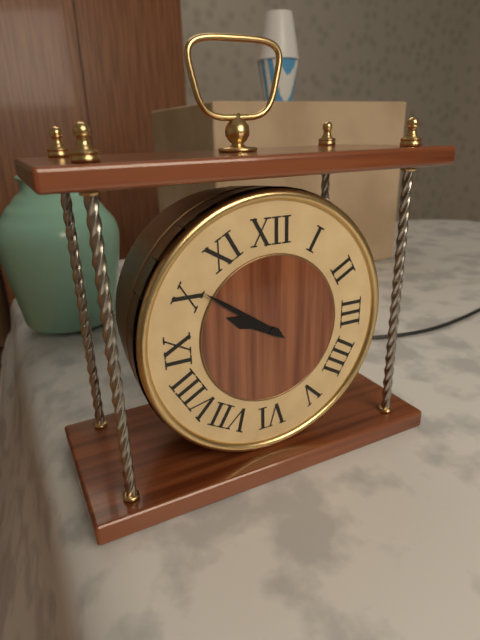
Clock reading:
9.51
